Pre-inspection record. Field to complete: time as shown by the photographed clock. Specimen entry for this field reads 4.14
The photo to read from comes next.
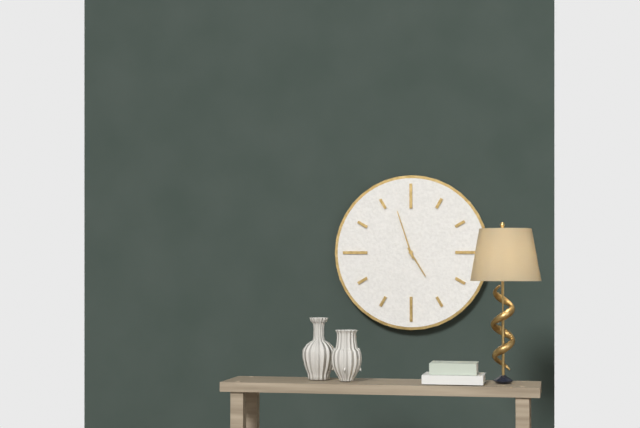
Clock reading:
4.57
